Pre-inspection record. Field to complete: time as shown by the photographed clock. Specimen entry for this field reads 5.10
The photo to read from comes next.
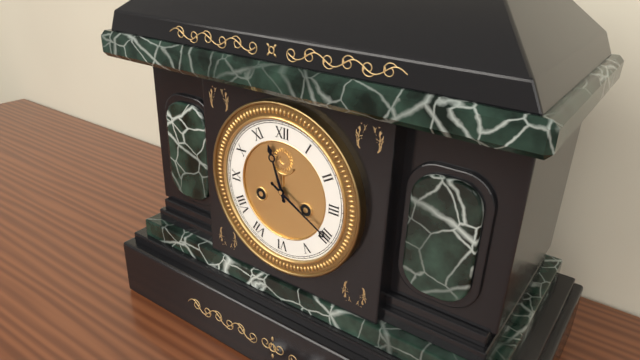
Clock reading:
11.20
